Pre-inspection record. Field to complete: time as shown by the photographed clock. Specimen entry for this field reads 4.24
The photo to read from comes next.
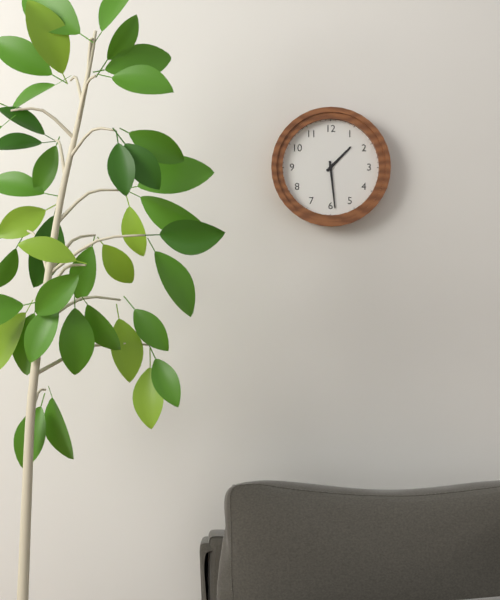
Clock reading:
1.29
